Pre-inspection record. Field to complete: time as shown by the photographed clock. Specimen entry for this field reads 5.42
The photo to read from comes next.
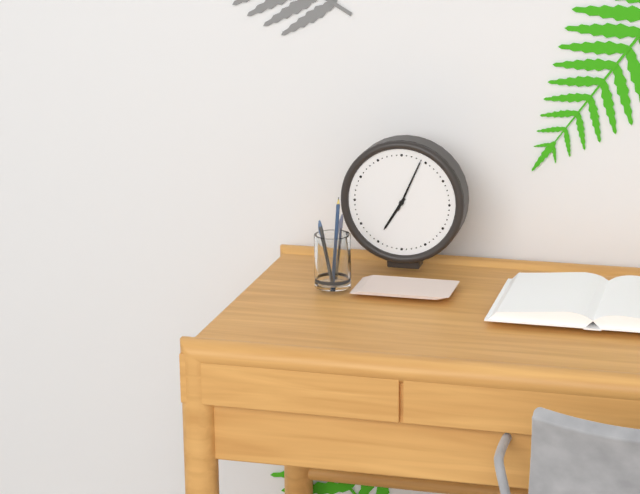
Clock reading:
7.04
